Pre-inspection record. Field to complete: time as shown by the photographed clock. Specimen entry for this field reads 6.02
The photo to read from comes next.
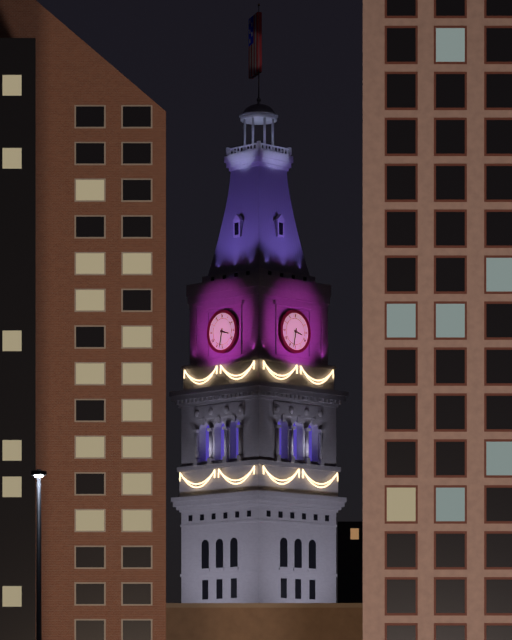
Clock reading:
3.32
